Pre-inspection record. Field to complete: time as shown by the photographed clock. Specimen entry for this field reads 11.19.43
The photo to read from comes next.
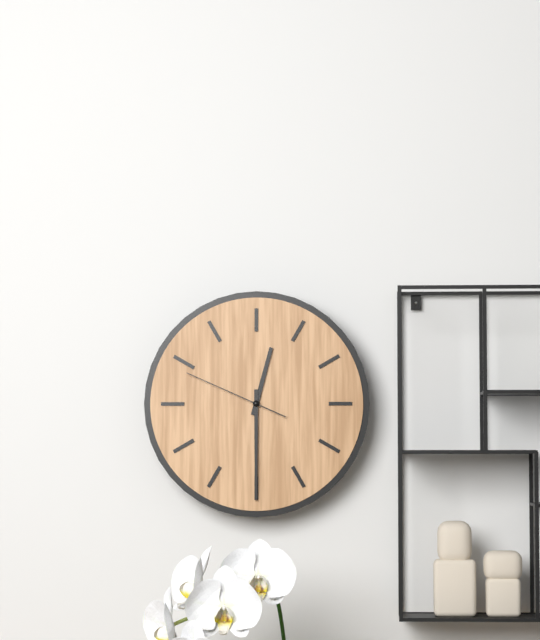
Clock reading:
12.30.49
